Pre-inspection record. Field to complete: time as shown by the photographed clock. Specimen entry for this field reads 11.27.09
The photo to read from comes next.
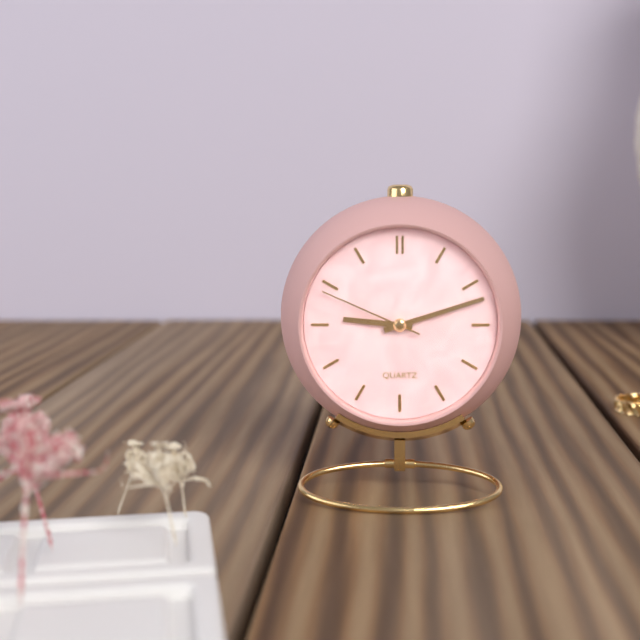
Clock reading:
9.12.49
